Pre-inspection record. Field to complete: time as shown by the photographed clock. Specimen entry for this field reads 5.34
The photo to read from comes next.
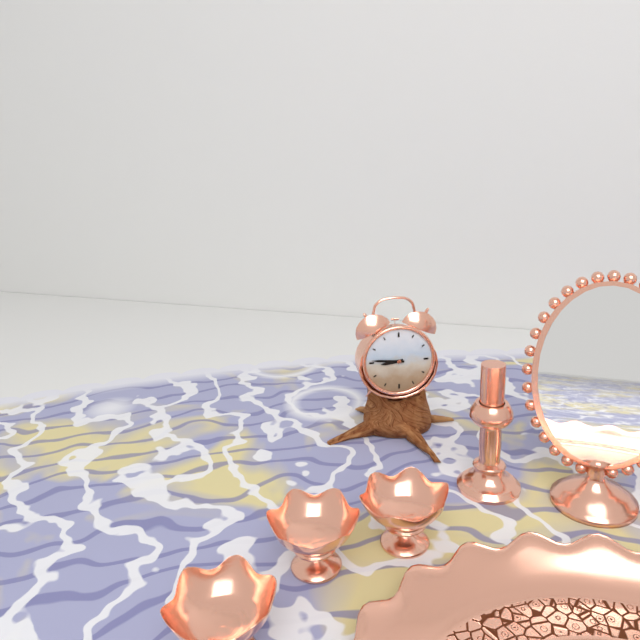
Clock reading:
8.46
